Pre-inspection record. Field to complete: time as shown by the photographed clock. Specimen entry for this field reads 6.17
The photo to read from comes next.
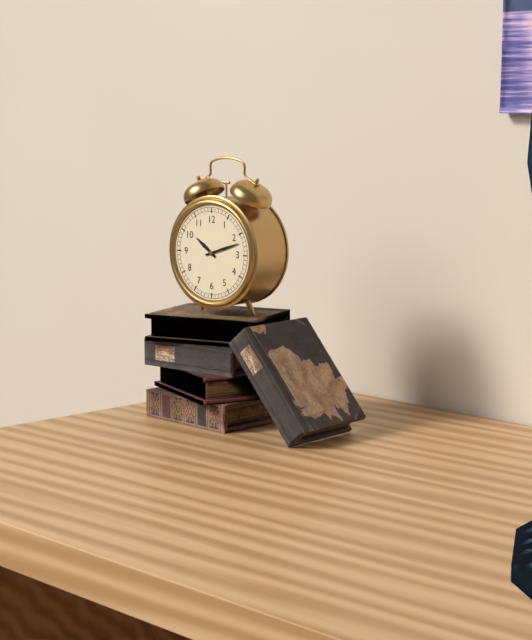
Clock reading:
10.12
